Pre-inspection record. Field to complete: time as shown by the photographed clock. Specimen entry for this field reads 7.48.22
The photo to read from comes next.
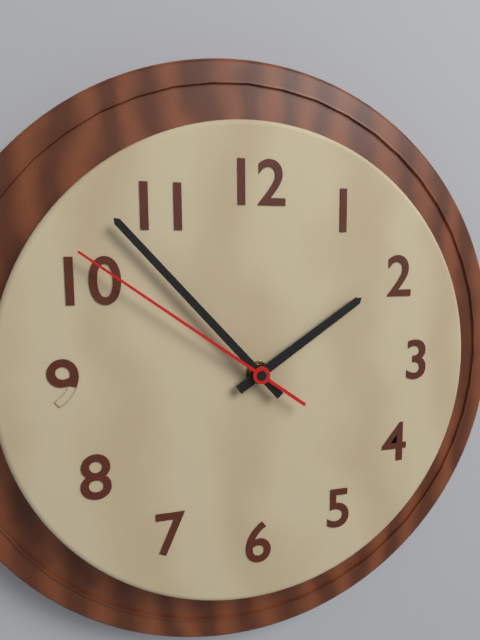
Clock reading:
1.53.51
